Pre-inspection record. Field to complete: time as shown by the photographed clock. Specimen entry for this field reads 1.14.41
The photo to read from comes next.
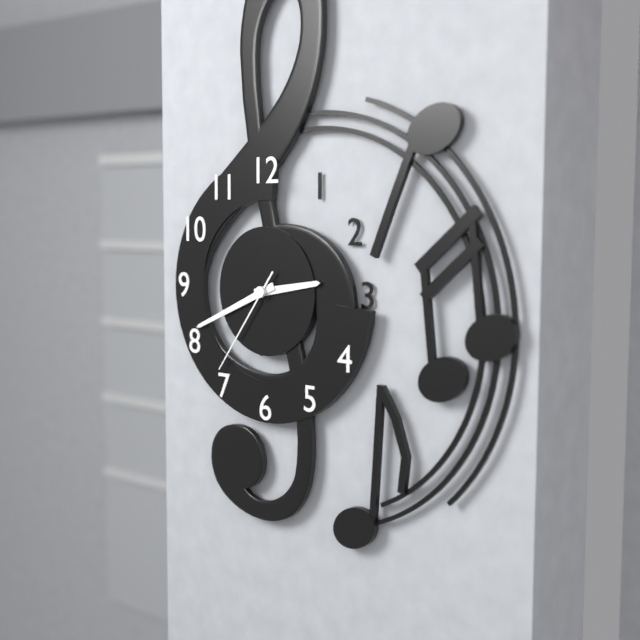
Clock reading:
2.41.36
